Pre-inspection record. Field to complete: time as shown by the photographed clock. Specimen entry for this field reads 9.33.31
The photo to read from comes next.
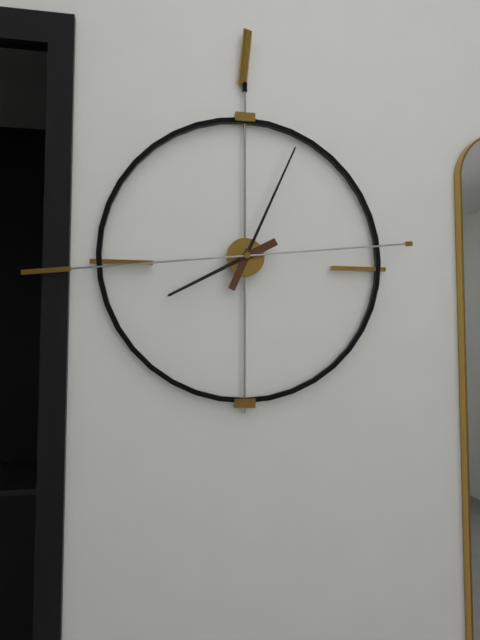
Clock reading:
8.04.44
